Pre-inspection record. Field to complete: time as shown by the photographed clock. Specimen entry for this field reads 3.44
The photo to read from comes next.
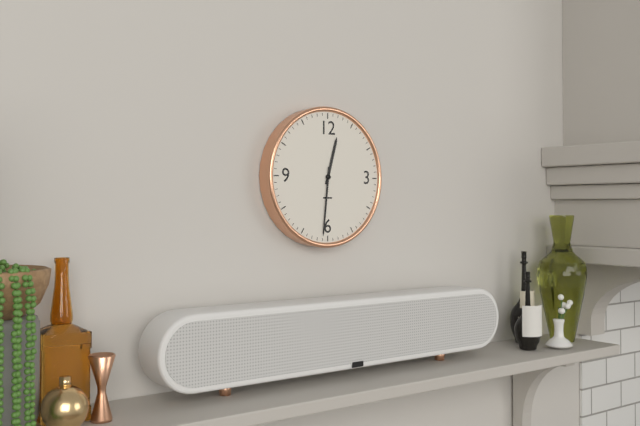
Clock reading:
12.31
